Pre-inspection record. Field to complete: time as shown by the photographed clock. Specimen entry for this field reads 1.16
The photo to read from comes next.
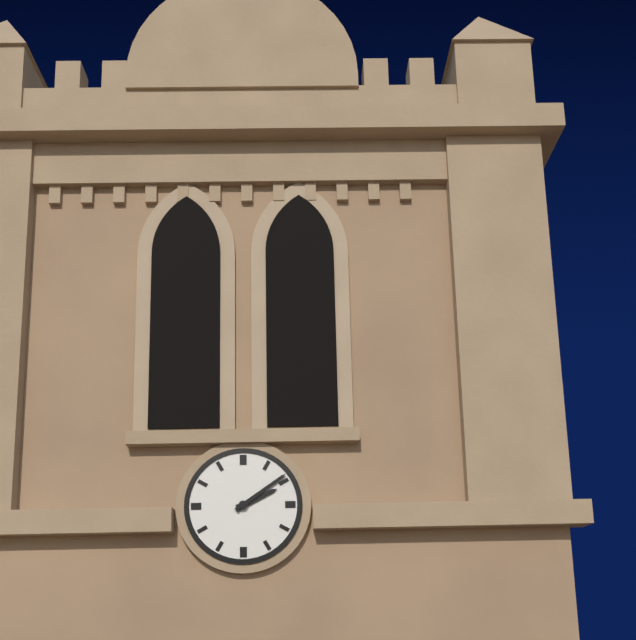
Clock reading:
2.09
